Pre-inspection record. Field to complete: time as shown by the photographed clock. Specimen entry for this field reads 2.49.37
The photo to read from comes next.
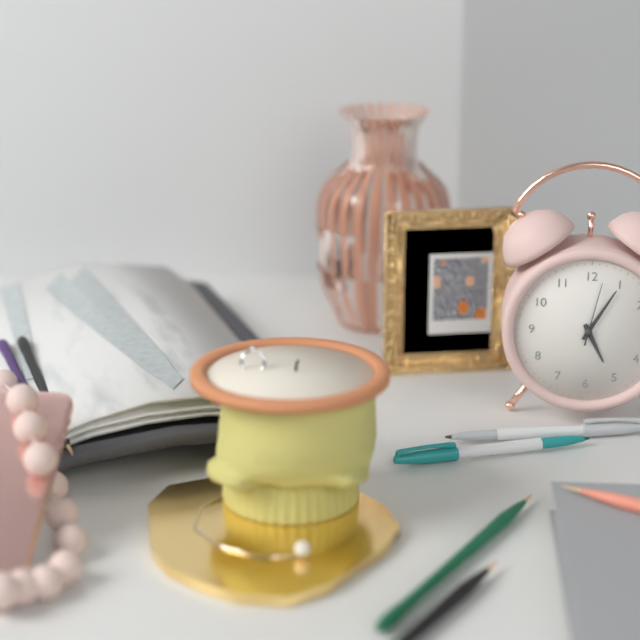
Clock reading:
5.05.02
